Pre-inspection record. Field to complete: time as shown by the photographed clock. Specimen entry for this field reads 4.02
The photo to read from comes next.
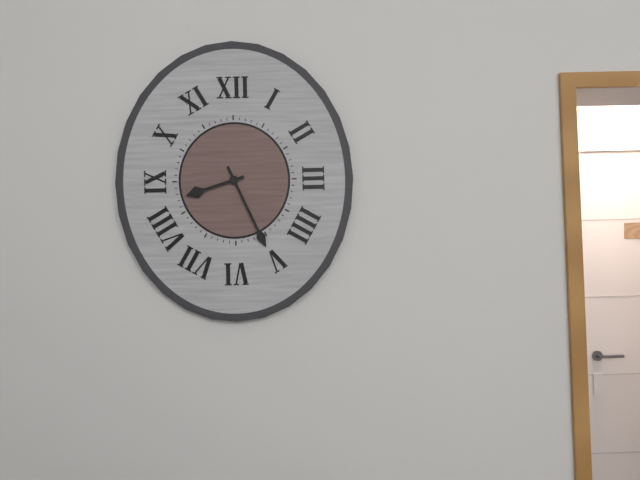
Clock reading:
8.26
